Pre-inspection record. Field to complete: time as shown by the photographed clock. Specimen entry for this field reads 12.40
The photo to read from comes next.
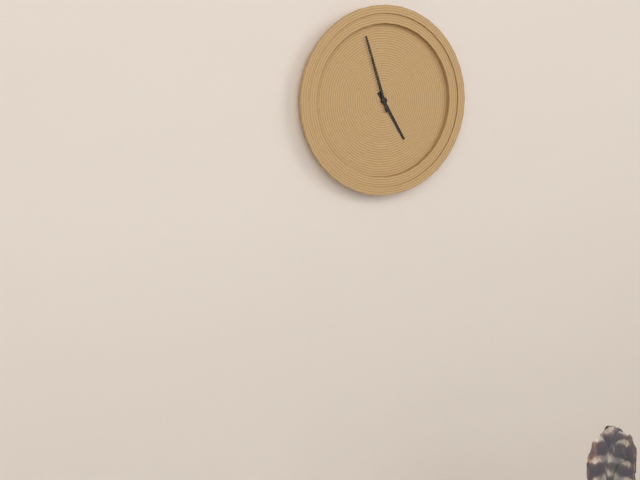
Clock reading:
4.57
